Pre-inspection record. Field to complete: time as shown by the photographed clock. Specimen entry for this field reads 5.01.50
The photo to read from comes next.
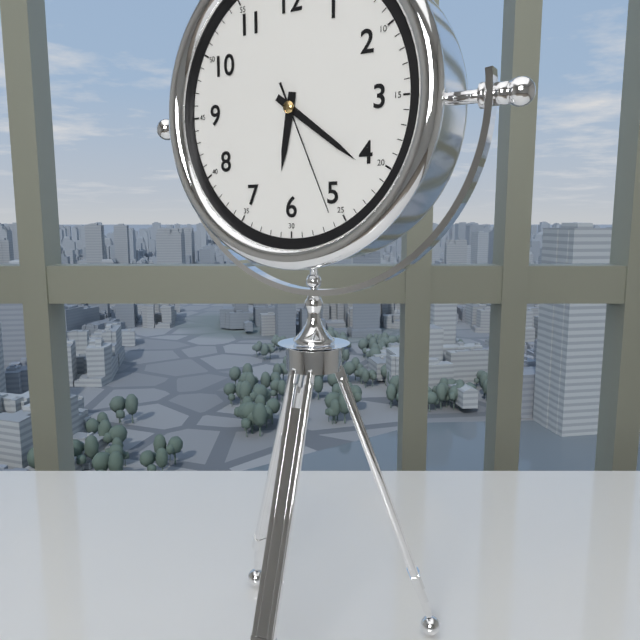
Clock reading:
6.21.26
